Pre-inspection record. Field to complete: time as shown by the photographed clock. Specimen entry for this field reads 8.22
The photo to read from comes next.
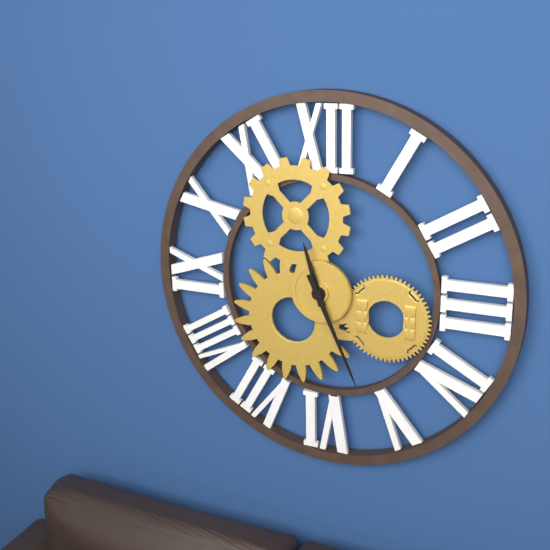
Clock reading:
11.26
